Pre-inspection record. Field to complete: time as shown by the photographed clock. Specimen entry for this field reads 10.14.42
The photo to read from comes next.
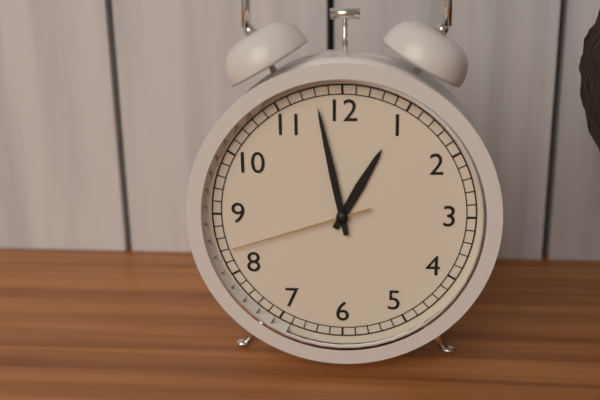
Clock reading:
12.58.42
